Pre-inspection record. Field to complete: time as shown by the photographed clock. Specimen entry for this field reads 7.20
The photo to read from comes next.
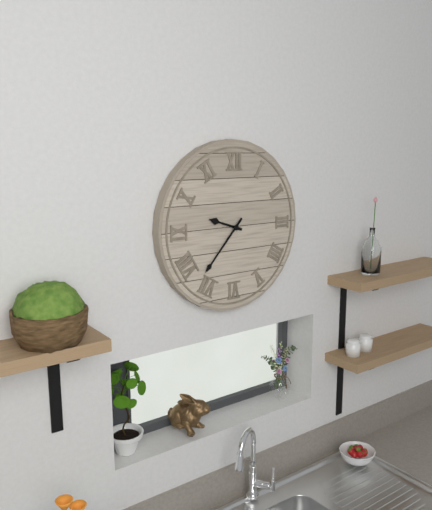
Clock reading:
9.37
